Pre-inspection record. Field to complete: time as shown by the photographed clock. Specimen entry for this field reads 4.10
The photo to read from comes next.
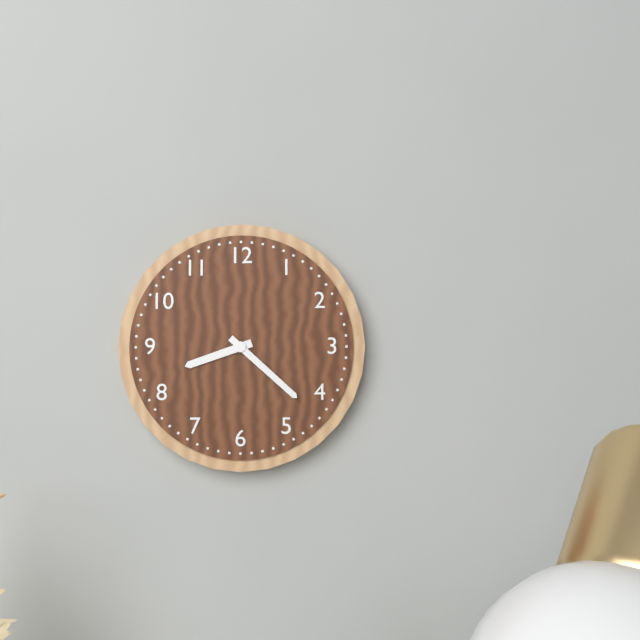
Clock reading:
8.22
